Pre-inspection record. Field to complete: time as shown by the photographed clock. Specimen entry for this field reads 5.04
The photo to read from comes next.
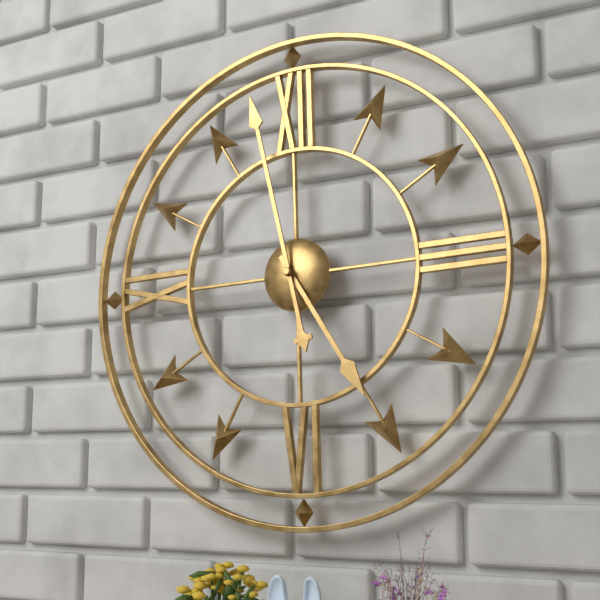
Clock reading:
4.58
